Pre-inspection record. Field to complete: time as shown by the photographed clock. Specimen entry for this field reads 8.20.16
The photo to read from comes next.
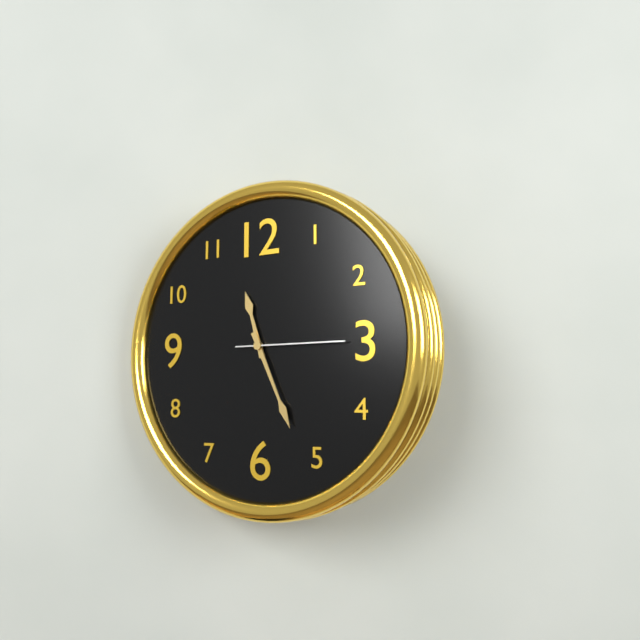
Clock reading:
11.26.15
